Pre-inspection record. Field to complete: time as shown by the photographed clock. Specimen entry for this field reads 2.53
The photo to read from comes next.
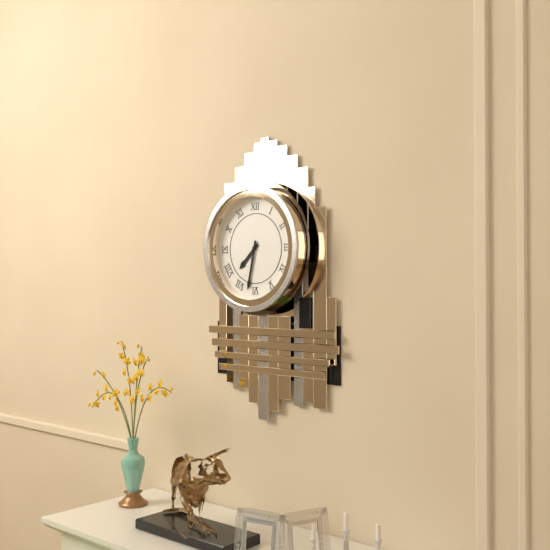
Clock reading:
7.32
